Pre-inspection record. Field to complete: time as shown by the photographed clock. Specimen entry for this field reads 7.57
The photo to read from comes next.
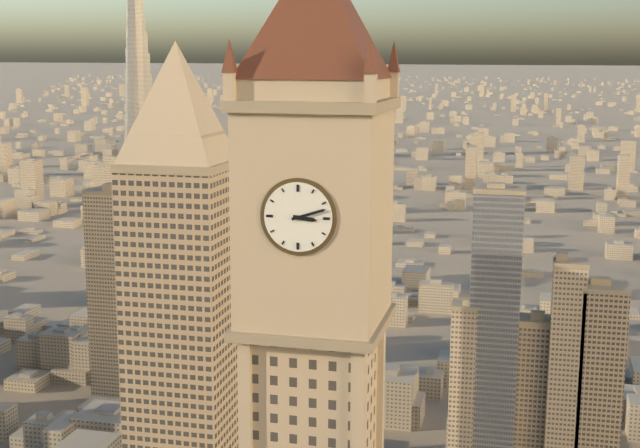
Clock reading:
3.12
